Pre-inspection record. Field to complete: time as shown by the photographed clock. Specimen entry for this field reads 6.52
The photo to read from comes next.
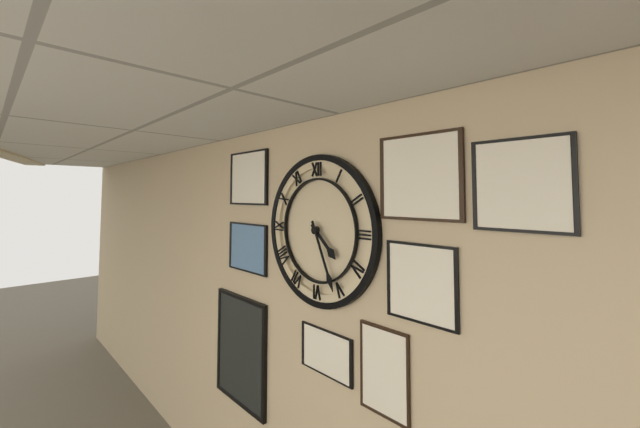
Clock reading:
4.26
